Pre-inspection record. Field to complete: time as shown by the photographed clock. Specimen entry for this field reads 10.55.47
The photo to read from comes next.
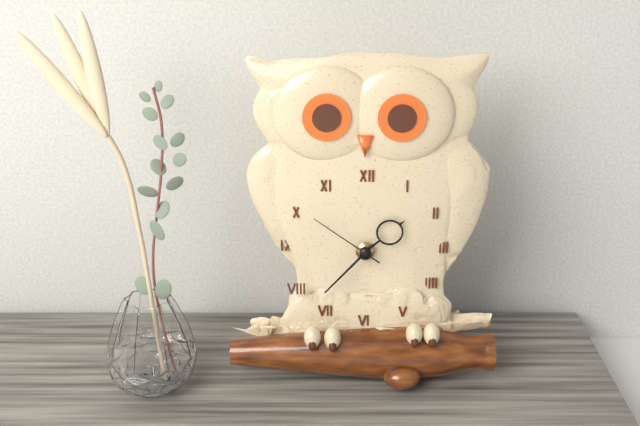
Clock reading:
1.37.51
